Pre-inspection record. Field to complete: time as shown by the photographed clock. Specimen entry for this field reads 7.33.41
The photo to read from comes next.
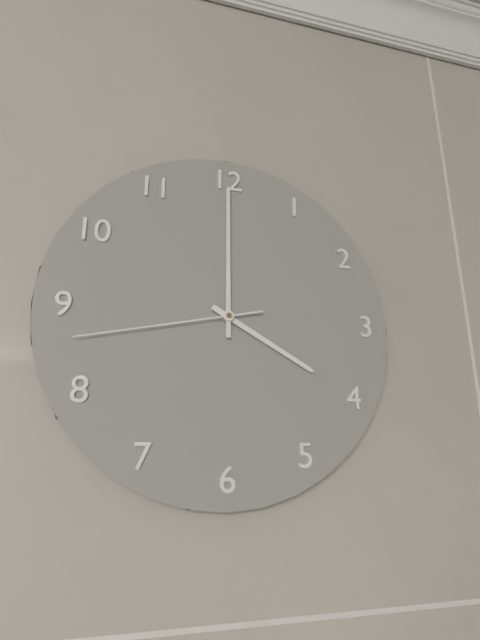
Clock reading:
4.00.43
